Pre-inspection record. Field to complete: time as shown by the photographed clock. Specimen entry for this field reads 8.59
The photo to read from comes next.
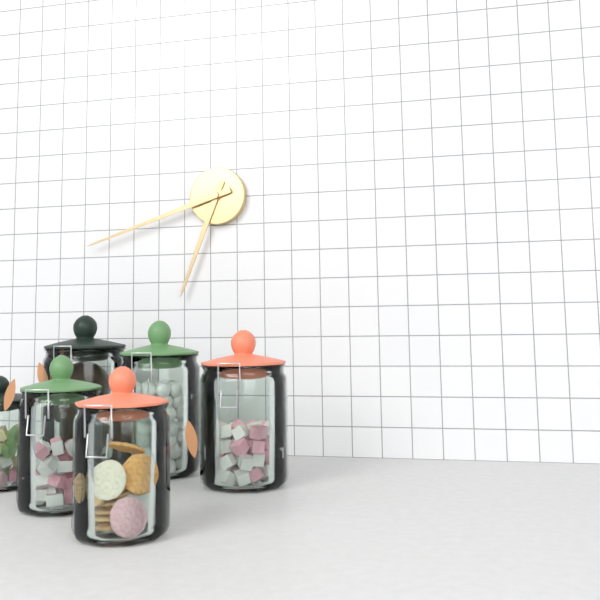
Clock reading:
6.42
